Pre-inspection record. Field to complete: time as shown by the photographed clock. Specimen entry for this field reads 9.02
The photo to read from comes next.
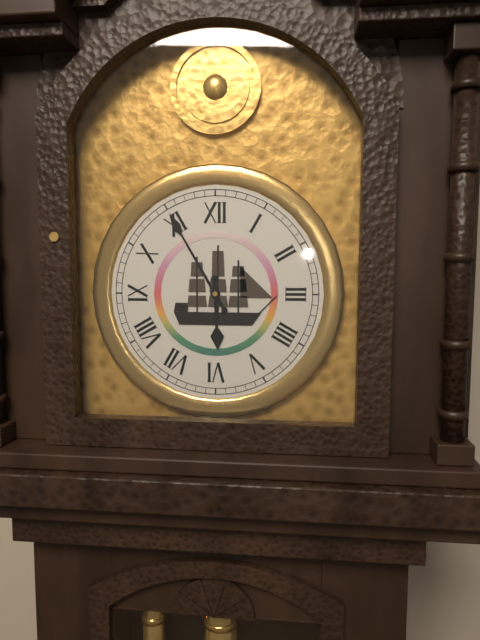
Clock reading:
5.55
